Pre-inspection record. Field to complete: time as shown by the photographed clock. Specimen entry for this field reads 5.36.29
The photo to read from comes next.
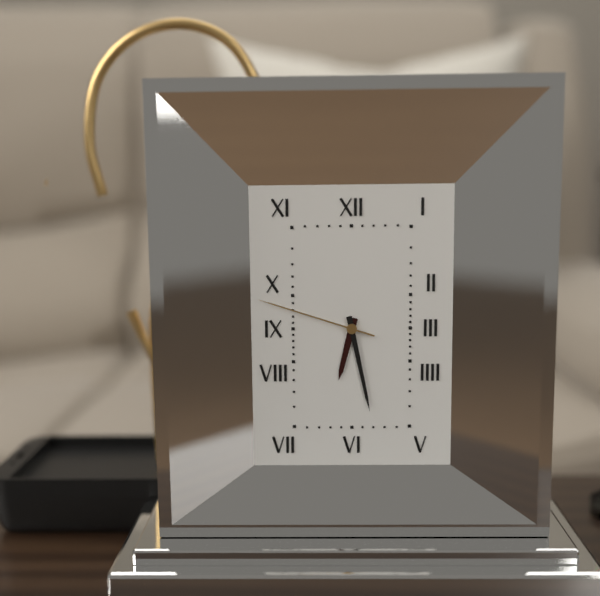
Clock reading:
6.28.48
